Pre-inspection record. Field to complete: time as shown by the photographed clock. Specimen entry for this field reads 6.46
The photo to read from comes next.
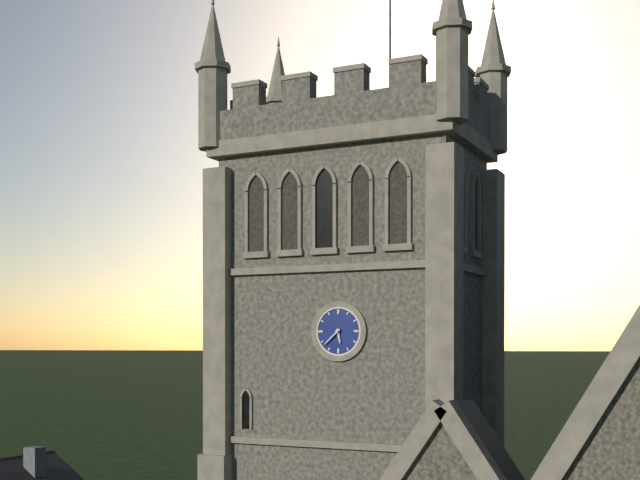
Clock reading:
5.38
